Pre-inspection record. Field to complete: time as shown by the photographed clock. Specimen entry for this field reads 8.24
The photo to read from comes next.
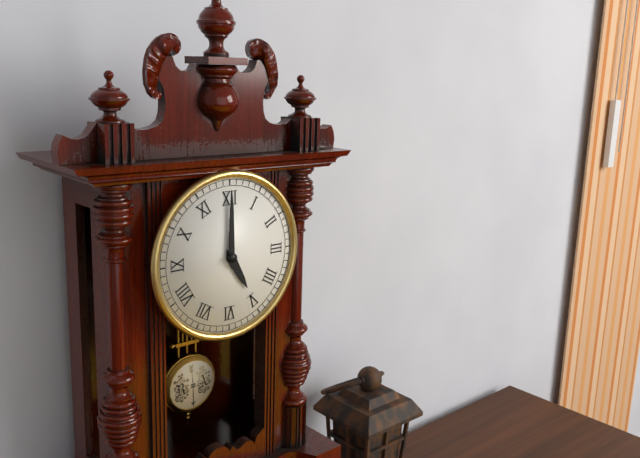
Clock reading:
5.00
